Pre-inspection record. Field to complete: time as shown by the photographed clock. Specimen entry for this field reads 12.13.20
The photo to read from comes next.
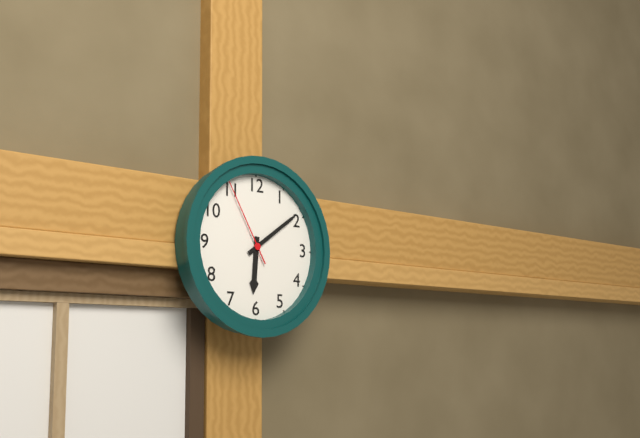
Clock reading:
6.09.55
